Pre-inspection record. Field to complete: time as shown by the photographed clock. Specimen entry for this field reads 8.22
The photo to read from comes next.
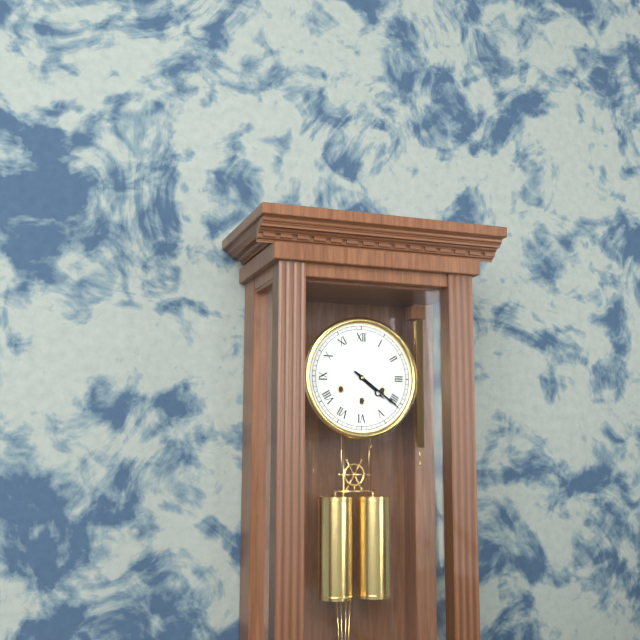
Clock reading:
4.21
